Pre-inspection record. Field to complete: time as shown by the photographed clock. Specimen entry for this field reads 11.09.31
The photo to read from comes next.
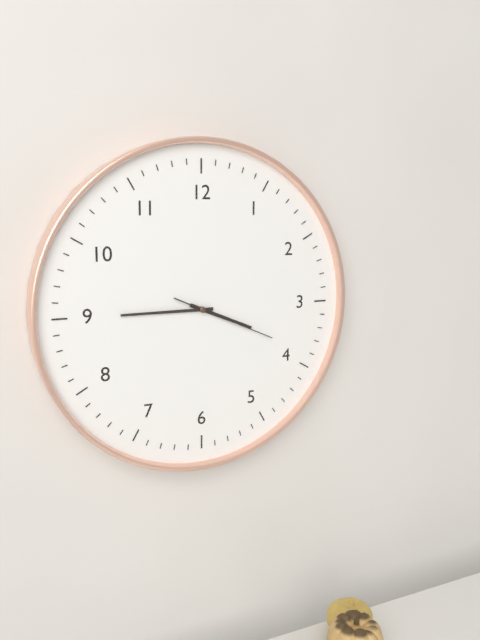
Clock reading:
3.45.19
